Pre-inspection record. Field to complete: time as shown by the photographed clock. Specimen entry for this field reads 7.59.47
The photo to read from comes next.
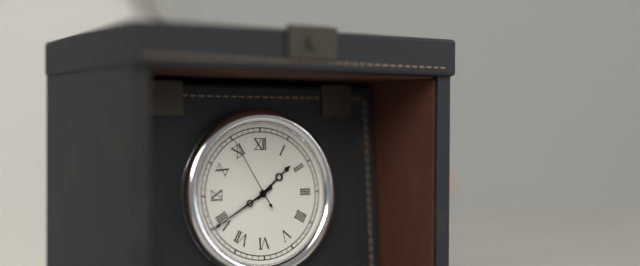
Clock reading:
1.40.55
